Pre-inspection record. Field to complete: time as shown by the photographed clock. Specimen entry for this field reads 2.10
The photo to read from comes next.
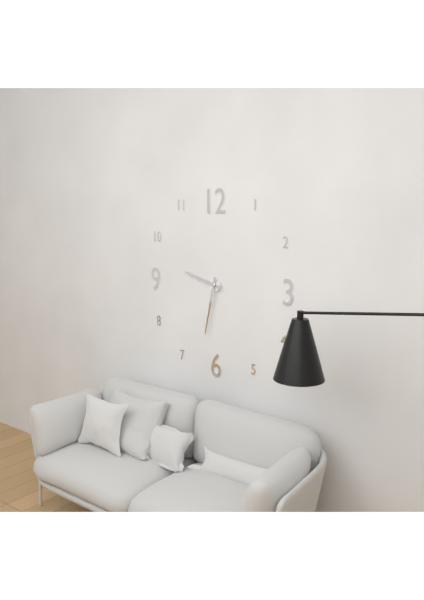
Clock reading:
9.32
